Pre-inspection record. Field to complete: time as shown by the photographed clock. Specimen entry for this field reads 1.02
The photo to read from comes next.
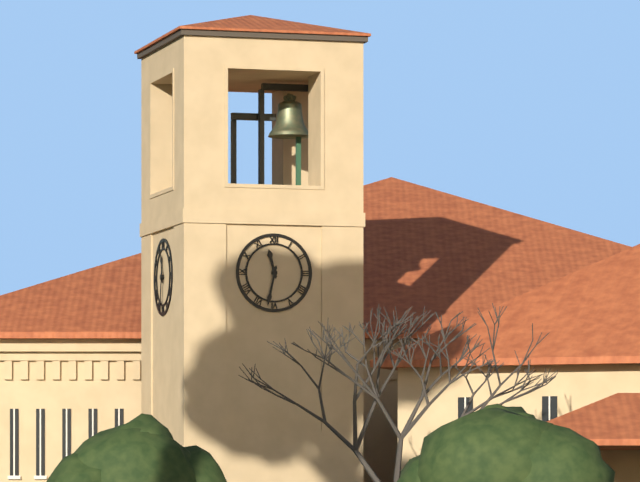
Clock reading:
11.32
